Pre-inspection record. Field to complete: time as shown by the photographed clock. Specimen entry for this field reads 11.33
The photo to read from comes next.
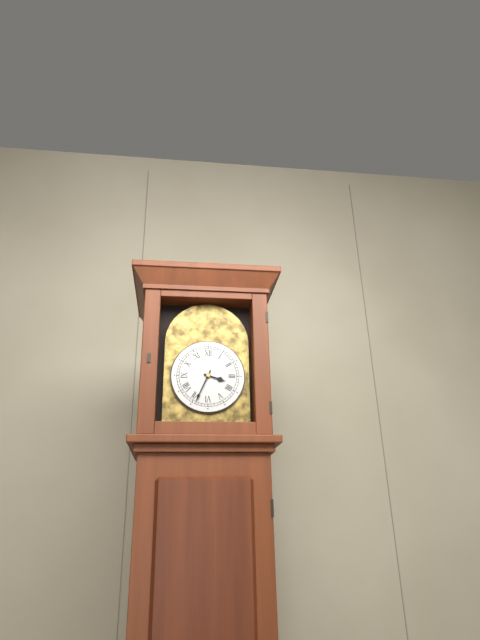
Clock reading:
3.34
